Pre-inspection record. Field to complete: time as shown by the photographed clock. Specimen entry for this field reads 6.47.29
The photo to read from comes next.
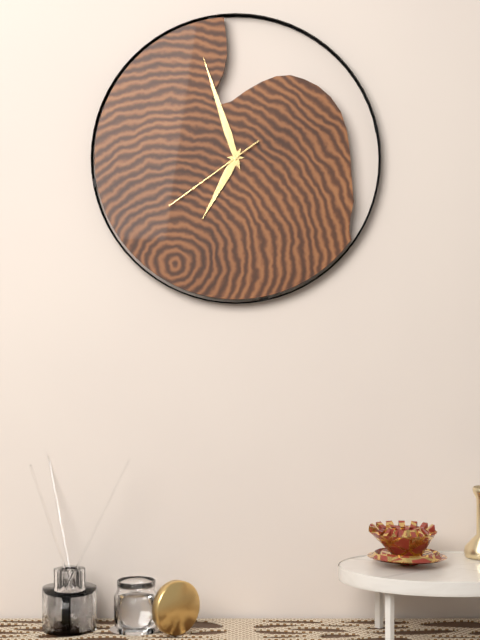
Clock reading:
6.57.39
